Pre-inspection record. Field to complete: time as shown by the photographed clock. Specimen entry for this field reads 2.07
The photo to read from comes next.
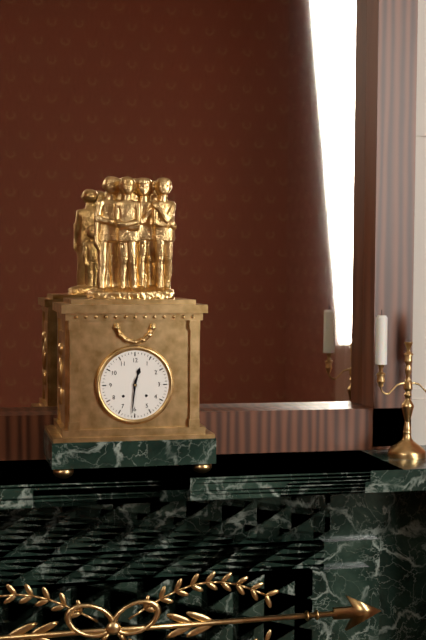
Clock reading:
12.31
